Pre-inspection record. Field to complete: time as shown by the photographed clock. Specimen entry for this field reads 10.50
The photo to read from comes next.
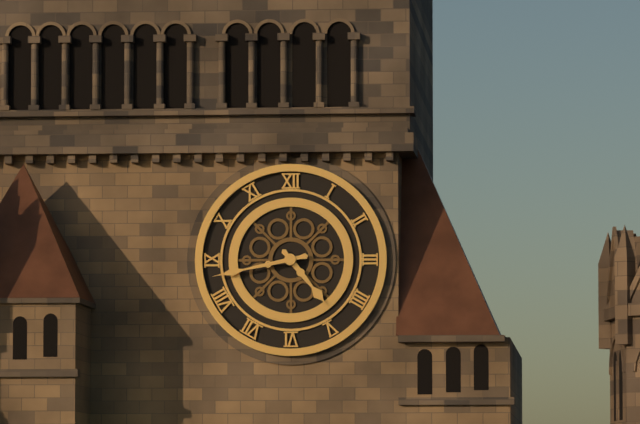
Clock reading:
4.43
